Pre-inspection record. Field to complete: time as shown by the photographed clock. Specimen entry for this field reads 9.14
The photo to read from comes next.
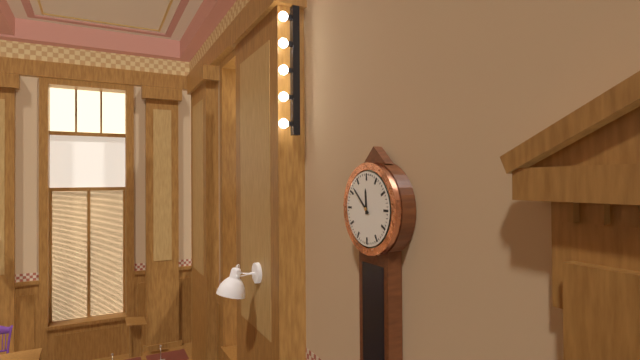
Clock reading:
11.52
